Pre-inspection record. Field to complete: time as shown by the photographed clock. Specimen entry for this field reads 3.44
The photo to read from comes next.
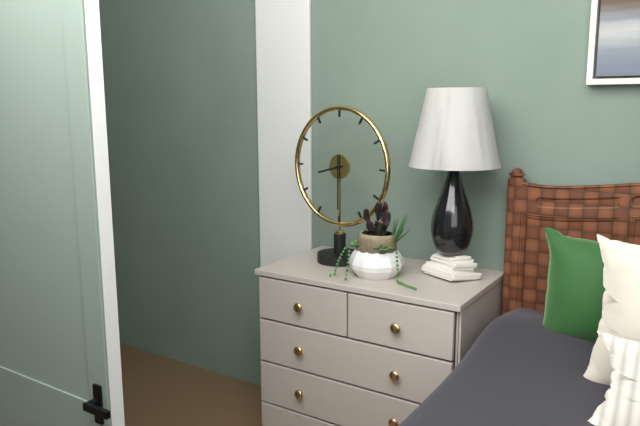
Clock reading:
8.30
